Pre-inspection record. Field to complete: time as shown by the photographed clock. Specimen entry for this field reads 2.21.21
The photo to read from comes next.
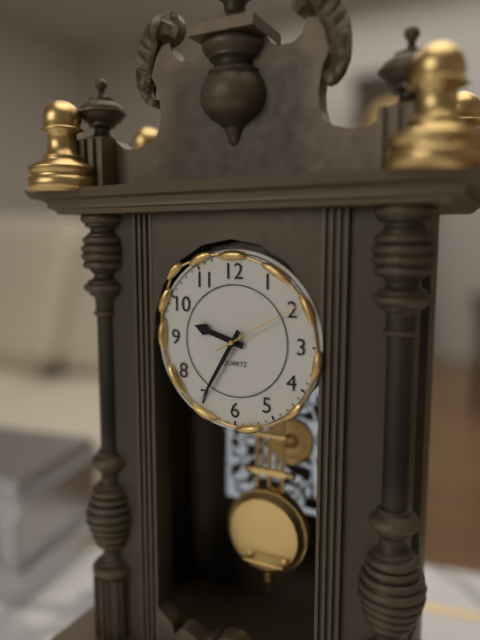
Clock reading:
9.35.10
